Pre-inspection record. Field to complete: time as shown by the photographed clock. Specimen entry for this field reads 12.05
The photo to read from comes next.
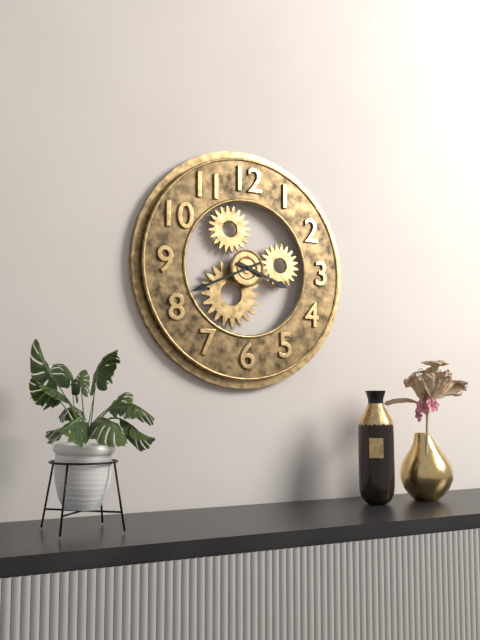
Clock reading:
3.41
